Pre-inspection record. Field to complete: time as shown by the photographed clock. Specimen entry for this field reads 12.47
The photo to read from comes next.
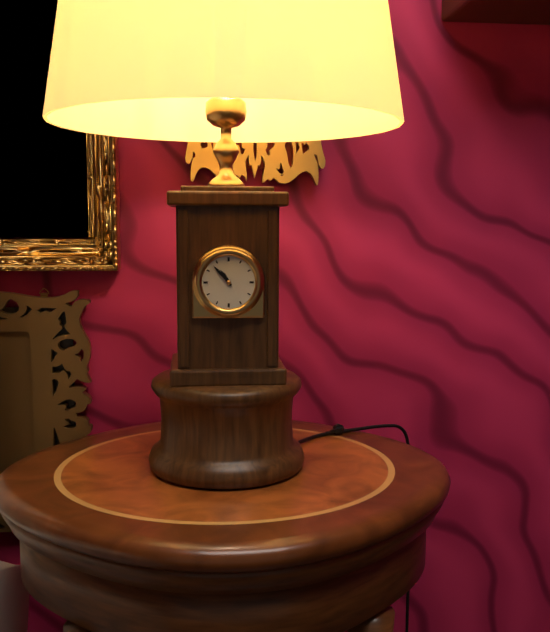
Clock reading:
10.53
